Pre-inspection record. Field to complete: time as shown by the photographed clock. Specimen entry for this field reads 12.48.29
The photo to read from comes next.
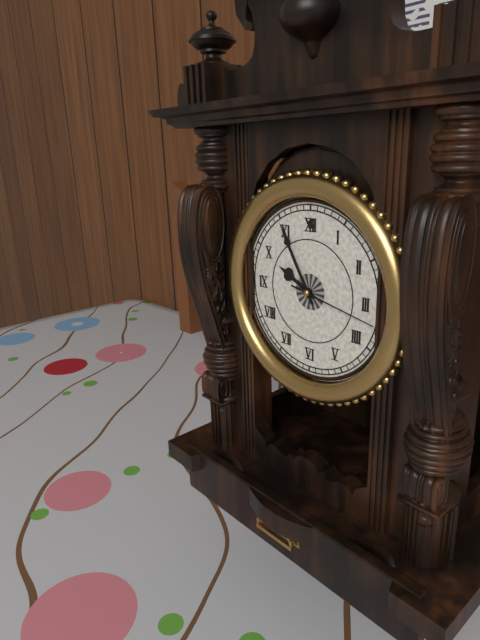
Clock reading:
9.55.17
